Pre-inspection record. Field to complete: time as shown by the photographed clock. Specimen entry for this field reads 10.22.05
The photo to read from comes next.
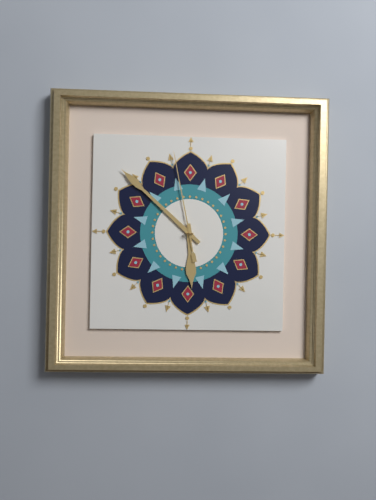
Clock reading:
5.52.58
